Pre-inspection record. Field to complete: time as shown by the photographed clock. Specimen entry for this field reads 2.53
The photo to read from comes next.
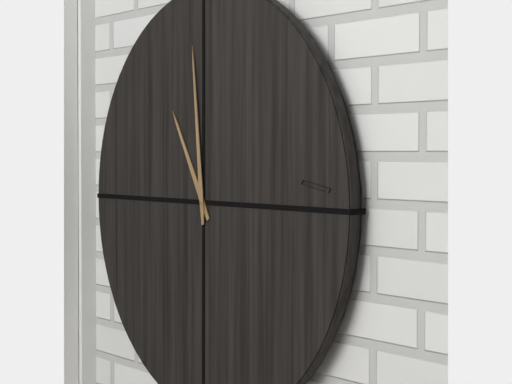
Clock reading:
10.59
